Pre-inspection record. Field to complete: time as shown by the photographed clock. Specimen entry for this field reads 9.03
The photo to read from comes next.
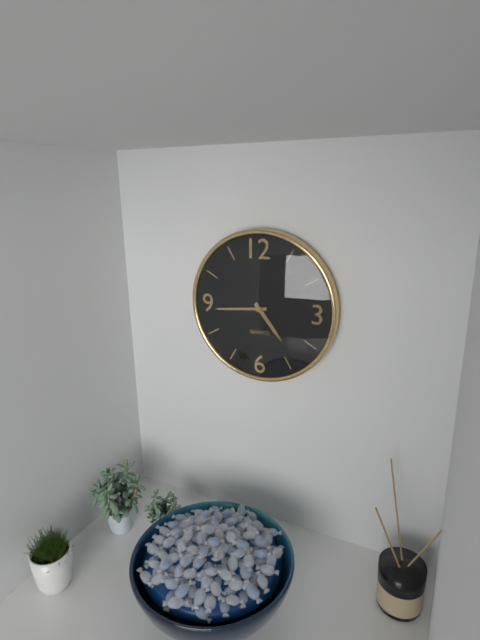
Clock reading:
4.44
